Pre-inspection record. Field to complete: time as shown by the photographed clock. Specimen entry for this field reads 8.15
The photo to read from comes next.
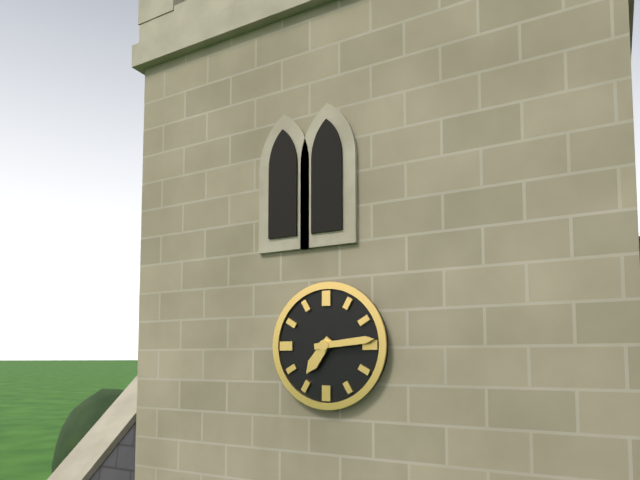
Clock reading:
7.14
